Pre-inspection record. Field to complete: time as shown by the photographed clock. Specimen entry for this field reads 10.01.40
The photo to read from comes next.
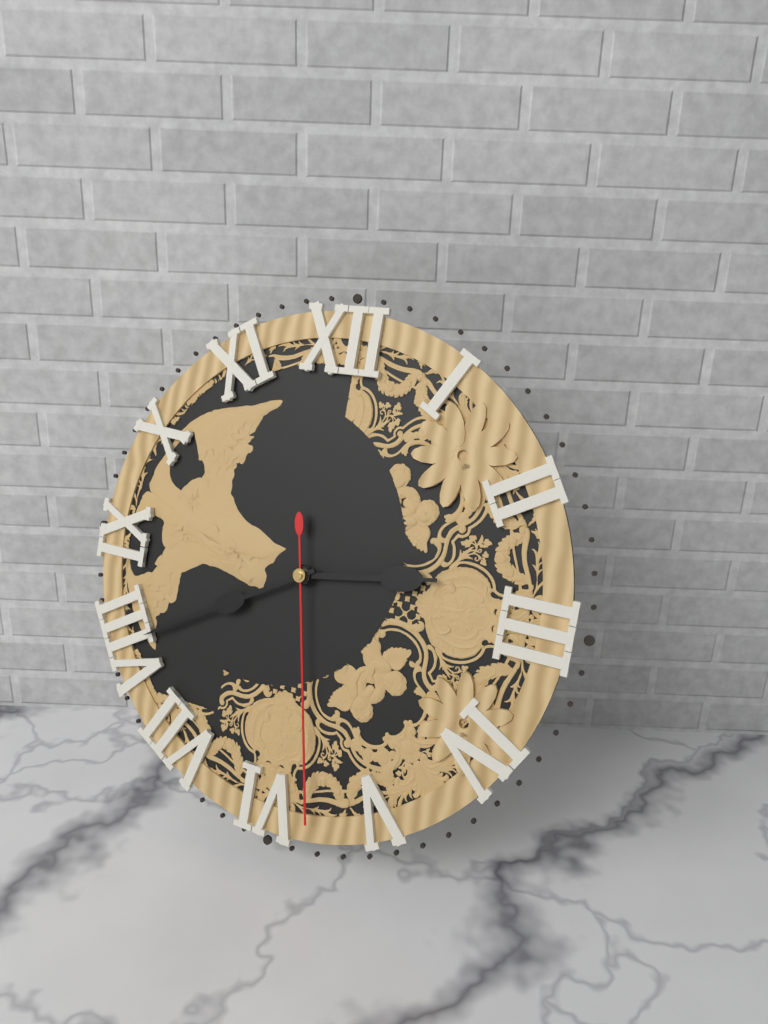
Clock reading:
2.40.28
